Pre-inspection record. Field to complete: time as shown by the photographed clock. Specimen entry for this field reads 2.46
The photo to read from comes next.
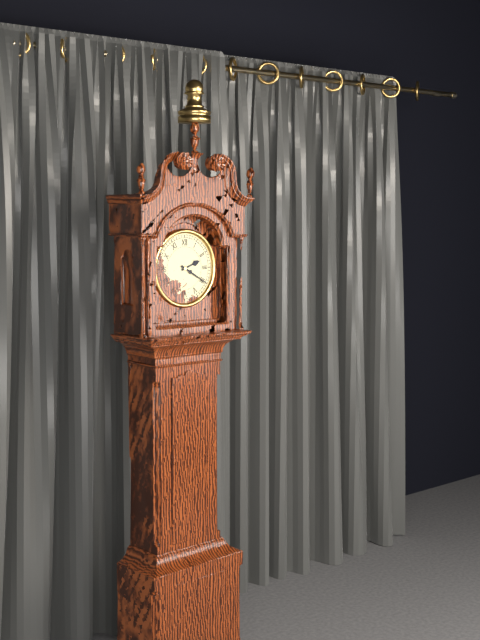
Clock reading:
2.20
